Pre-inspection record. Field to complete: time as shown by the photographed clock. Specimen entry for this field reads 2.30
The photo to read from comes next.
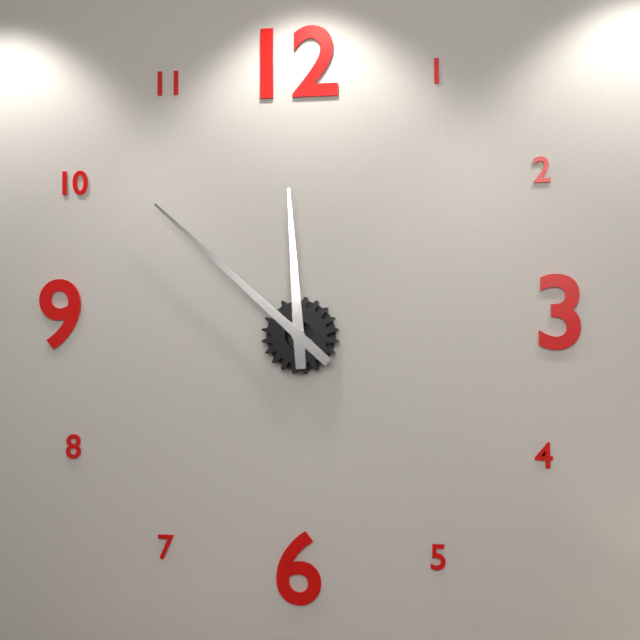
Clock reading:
11.52
